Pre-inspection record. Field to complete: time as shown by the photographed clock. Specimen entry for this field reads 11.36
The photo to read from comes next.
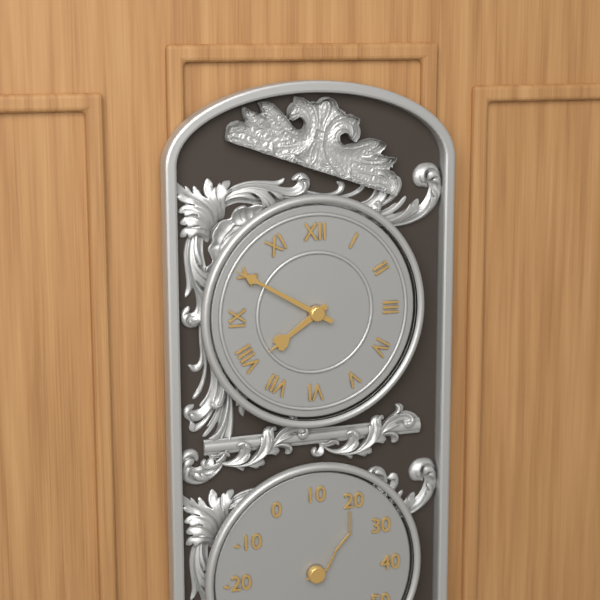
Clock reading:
7.50
